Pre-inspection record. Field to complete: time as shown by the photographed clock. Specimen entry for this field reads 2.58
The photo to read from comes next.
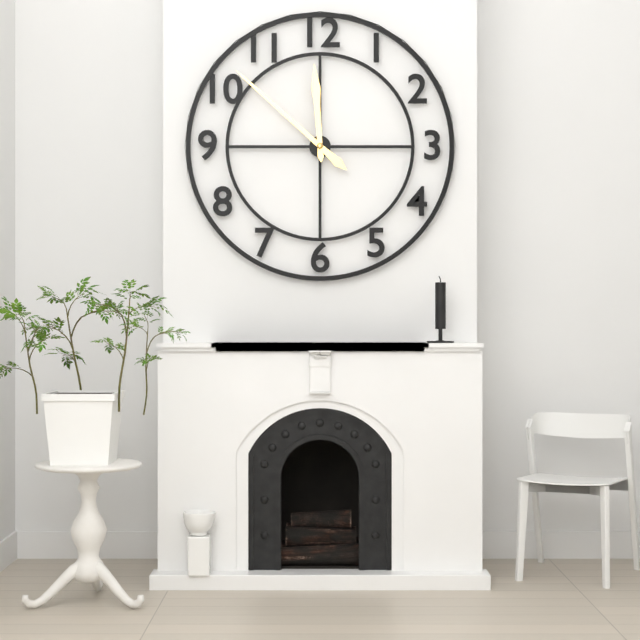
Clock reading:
11.52
